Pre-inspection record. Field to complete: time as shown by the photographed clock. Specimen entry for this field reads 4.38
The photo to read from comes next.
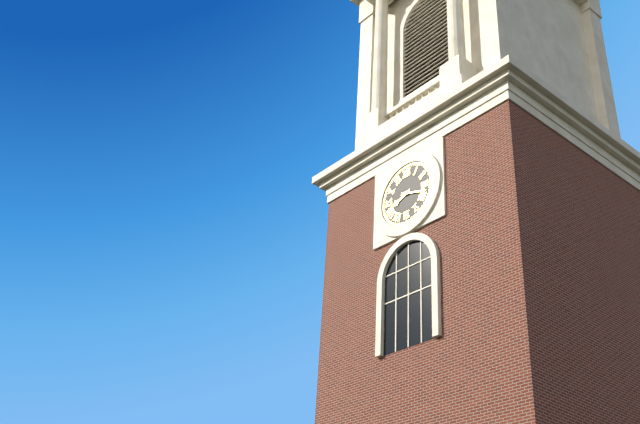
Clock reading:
8.18
